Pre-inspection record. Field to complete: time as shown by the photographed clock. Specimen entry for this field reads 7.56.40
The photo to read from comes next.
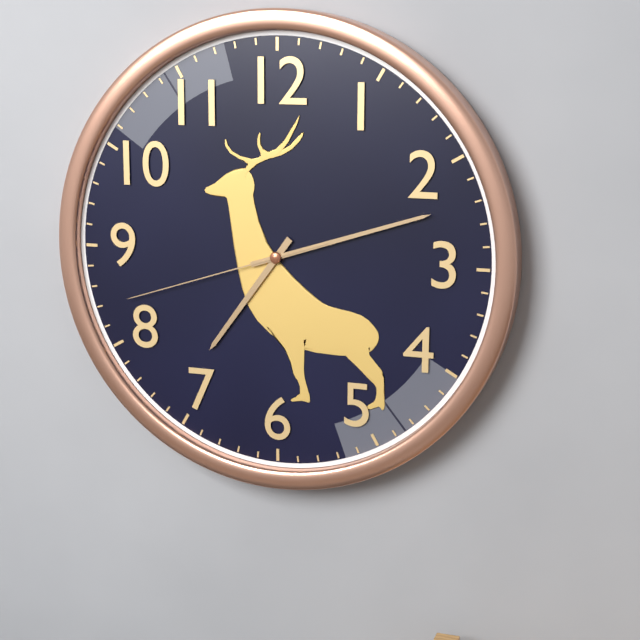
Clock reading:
7.12.42
